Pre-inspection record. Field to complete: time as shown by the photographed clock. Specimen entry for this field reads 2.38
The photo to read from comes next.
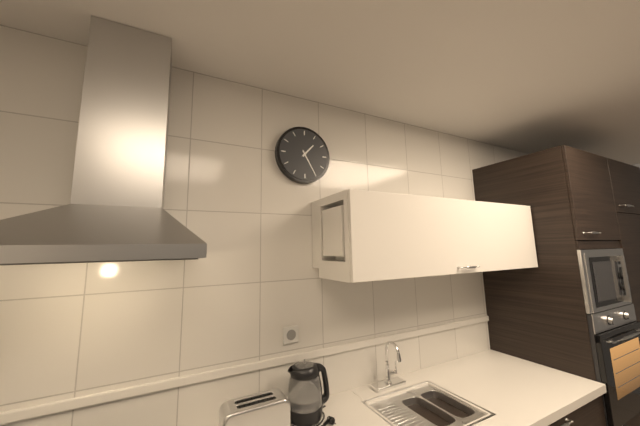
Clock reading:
1.25
